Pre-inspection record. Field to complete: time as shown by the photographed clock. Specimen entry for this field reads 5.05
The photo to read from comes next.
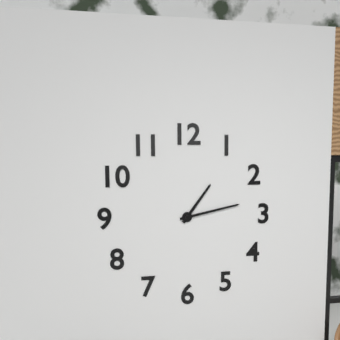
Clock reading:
1.13
